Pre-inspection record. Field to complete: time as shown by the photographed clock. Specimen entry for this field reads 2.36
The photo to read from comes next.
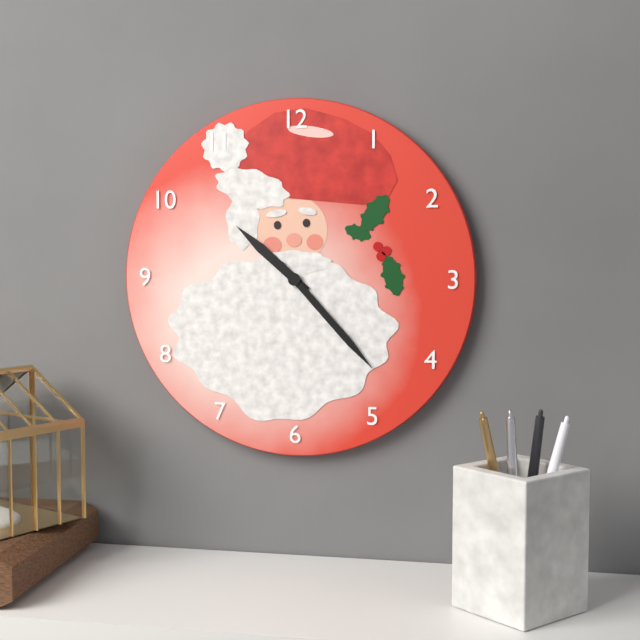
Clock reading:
10.23
